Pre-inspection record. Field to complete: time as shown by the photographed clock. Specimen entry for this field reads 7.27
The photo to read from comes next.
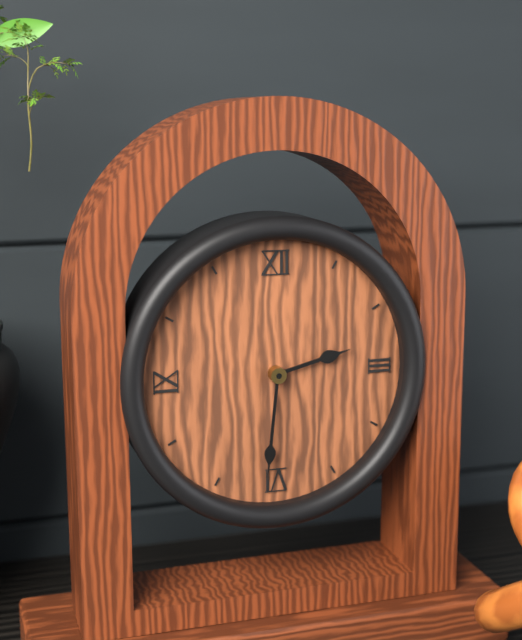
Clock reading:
2.31
